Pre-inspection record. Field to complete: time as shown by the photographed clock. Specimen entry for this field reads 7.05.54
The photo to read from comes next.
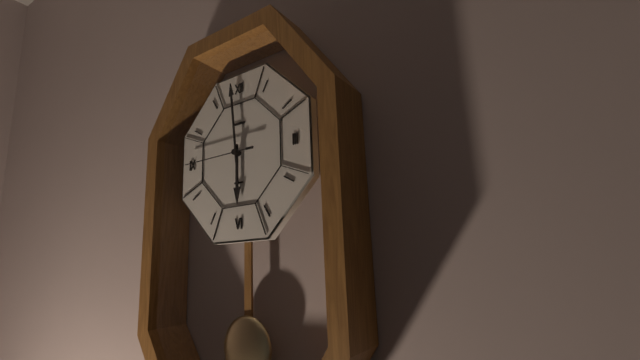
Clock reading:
5.59.45
